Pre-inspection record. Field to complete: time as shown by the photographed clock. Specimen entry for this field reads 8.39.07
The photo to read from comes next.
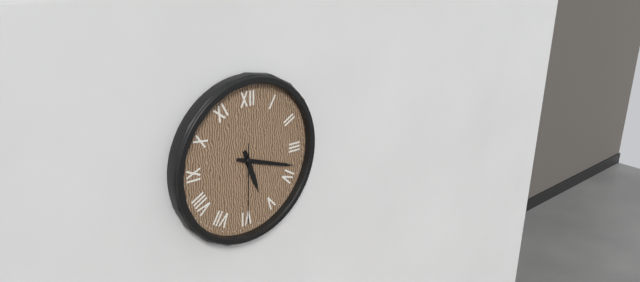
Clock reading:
5.18.30
